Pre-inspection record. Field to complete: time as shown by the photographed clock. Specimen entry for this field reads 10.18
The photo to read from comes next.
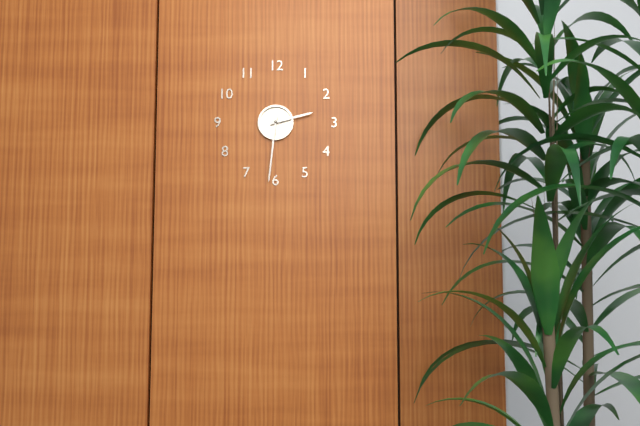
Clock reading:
2.31
